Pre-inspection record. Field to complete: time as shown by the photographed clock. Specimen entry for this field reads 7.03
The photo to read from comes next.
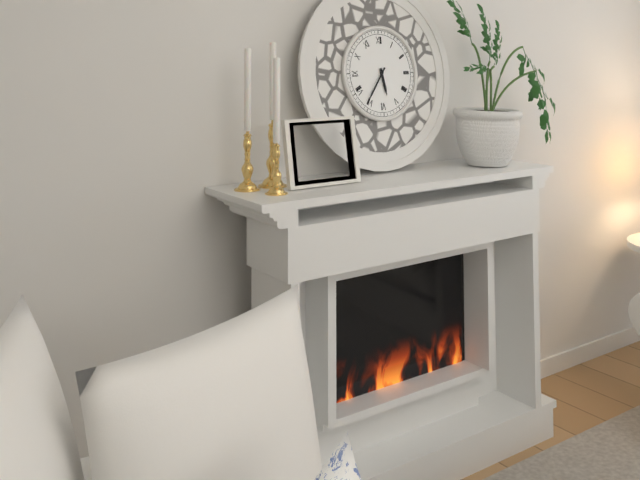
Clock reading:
5.36
